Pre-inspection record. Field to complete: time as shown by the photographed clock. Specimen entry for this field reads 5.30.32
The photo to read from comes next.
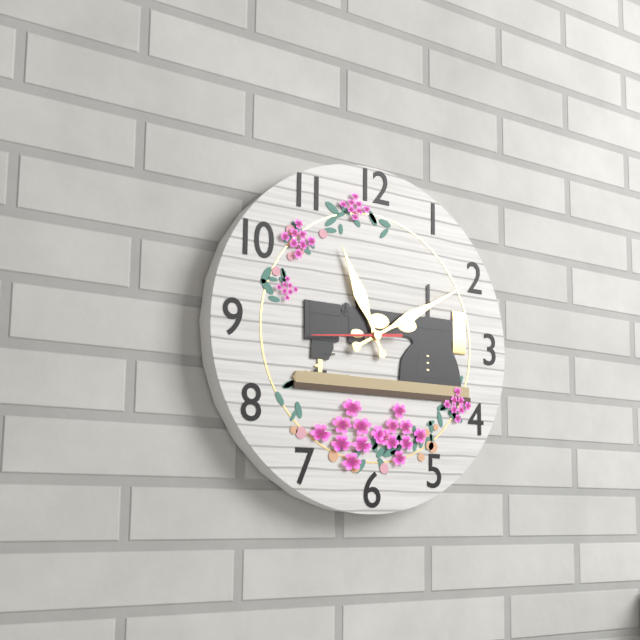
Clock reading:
11.10.44
